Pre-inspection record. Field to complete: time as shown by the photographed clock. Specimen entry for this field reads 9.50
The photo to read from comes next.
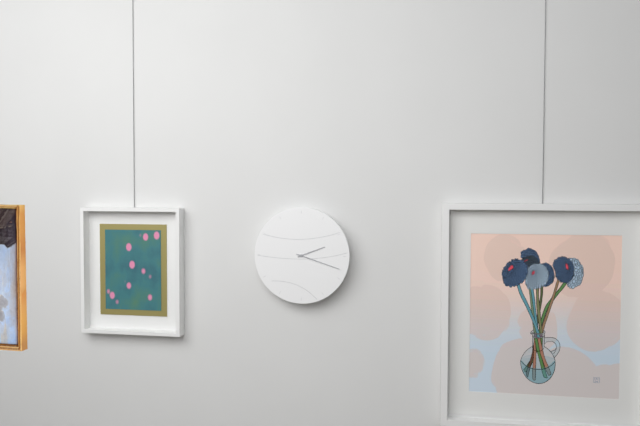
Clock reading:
2.18
